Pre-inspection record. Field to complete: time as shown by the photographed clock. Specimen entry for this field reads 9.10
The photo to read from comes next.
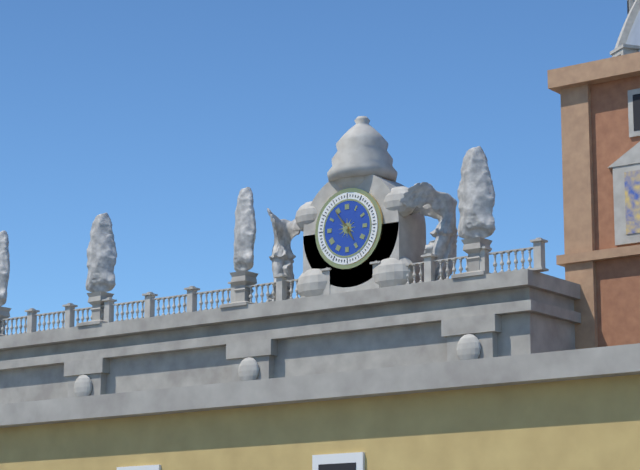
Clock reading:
4.54
